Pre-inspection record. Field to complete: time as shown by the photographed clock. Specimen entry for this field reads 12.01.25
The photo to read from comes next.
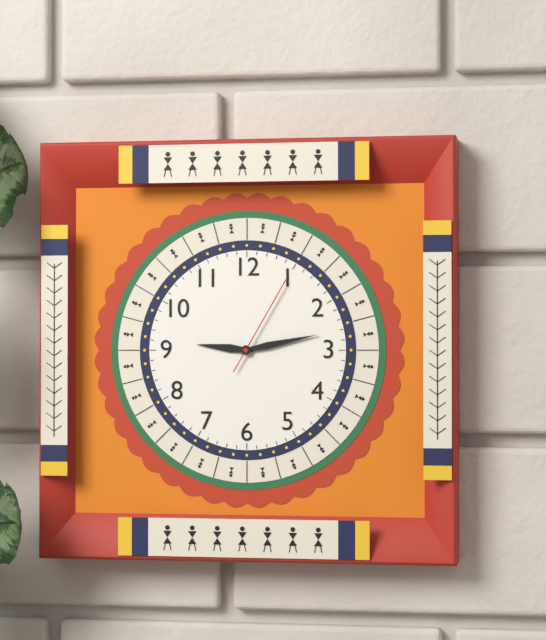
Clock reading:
9.13.05
